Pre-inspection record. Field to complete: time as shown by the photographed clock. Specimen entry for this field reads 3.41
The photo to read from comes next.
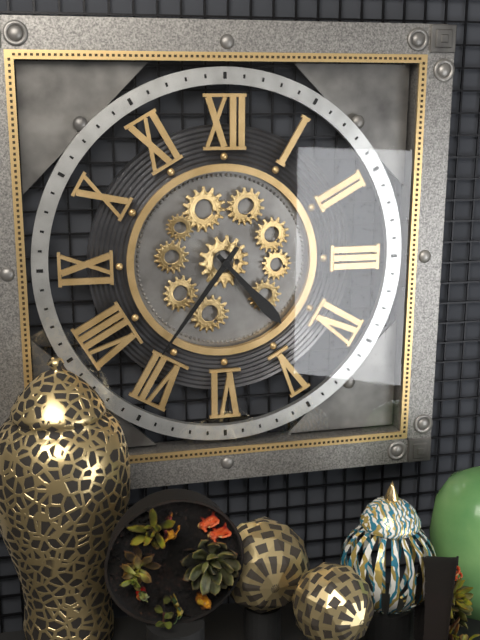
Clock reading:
4.36
